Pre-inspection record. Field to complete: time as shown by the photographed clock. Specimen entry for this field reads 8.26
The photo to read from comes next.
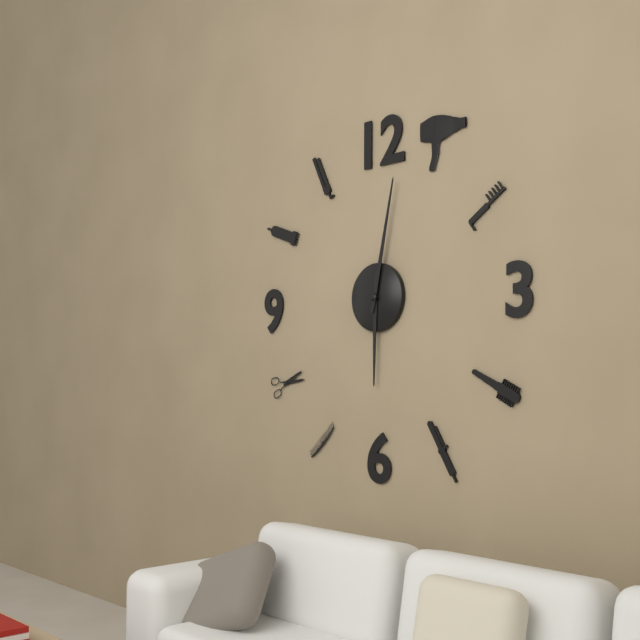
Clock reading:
6.02
